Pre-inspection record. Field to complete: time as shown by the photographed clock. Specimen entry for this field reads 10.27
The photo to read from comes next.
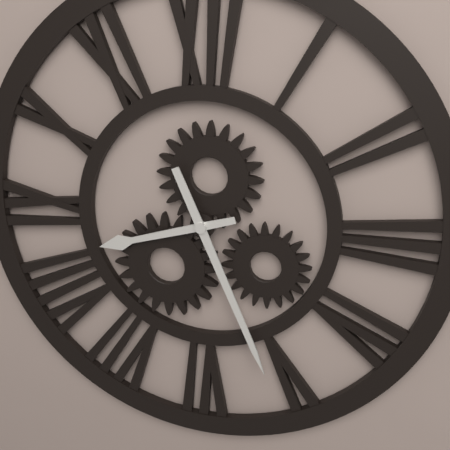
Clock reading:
8.26
